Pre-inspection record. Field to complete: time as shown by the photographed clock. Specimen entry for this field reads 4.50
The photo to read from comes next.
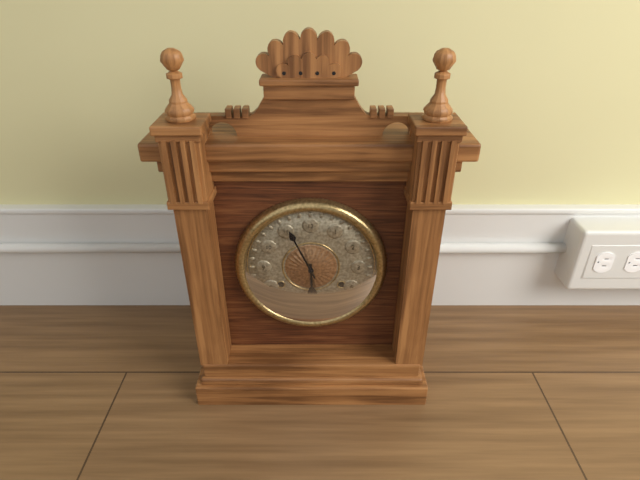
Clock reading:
5.56
